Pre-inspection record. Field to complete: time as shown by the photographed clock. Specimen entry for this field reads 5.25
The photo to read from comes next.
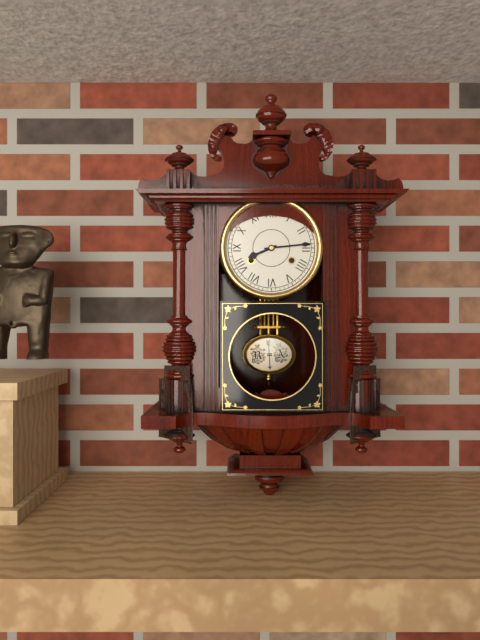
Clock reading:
8.14
